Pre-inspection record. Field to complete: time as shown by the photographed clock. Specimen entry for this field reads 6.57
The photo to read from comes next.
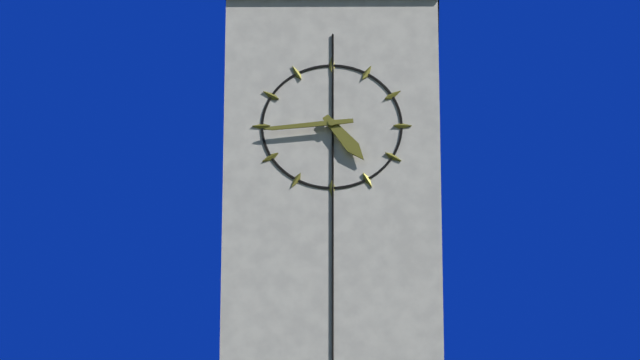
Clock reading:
4.44
